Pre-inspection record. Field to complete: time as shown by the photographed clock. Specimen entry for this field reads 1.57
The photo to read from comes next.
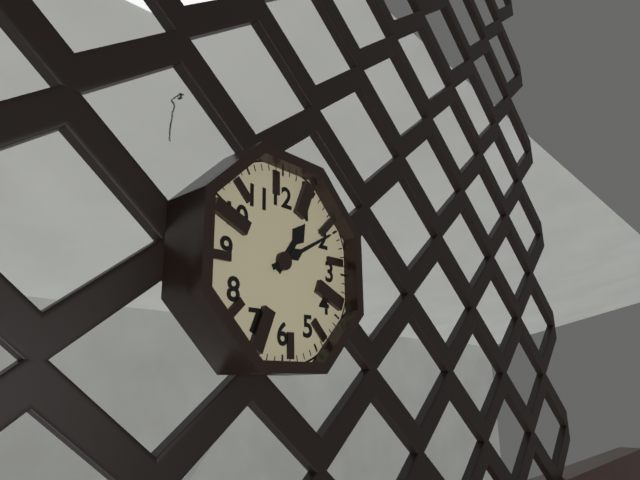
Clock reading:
1.10
